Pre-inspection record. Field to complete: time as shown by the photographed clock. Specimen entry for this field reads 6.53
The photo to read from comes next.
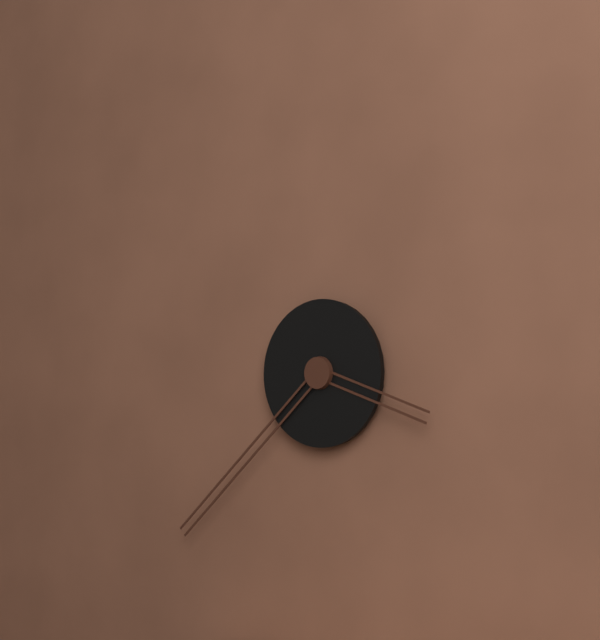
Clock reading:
3.38
